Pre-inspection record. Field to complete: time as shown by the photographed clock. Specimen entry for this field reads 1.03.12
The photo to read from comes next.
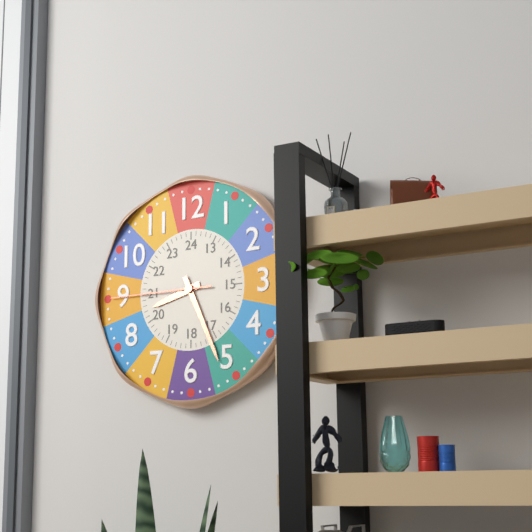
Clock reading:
8.26.45
